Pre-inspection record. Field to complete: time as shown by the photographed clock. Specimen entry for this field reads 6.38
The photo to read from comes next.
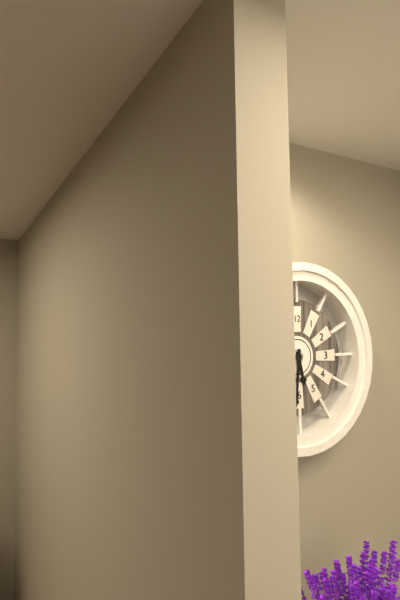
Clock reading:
5.31
